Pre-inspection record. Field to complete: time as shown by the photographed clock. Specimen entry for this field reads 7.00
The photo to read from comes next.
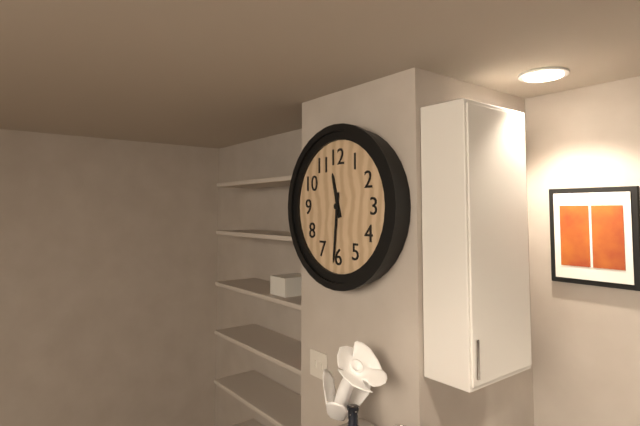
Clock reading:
11.31
